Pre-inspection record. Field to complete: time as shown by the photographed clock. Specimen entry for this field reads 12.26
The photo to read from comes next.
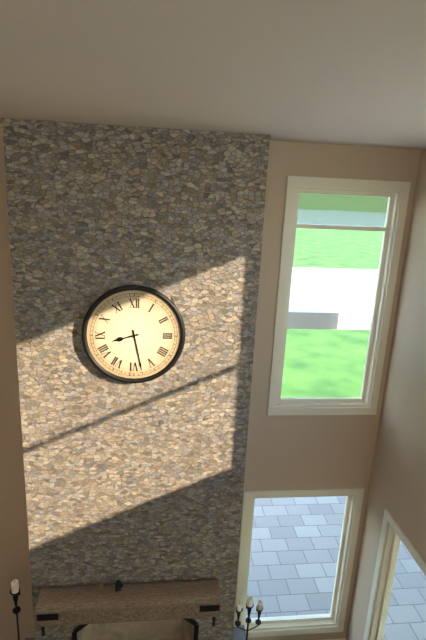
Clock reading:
8.28
